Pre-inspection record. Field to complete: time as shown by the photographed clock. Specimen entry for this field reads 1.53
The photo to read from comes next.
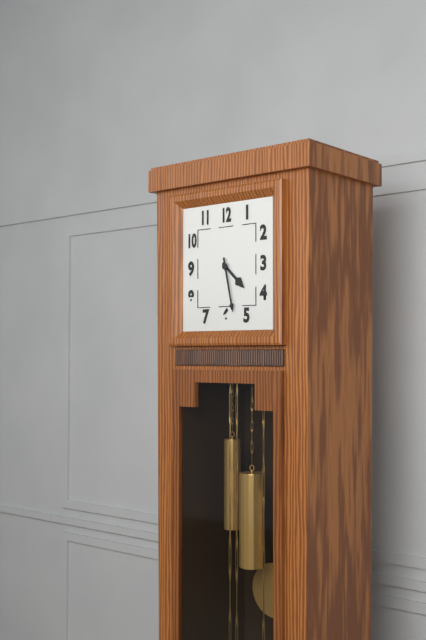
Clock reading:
4.28
